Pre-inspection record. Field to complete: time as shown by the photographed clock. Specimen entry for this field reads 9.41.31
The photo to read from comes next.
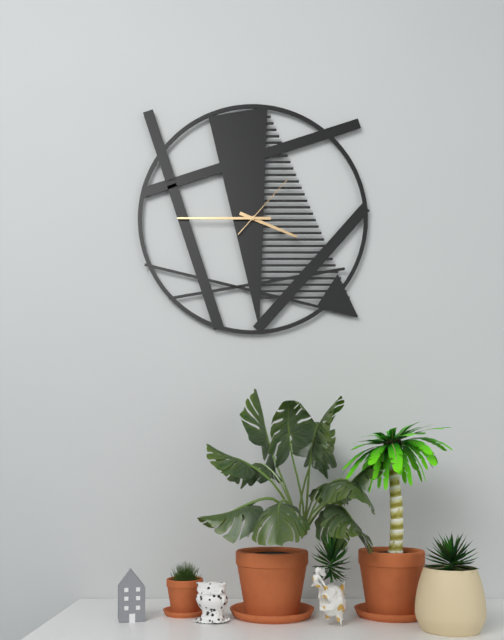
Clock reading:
3.45.07
